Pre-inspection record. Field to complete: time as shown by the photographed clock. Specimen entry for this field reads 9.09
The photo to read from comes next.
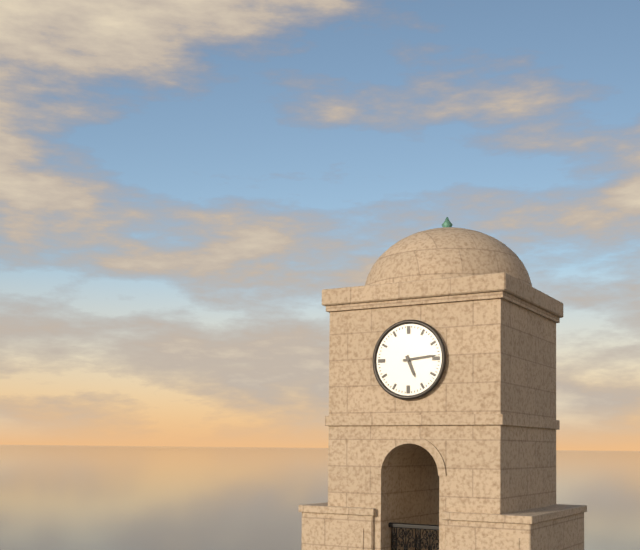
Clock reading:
5.14
